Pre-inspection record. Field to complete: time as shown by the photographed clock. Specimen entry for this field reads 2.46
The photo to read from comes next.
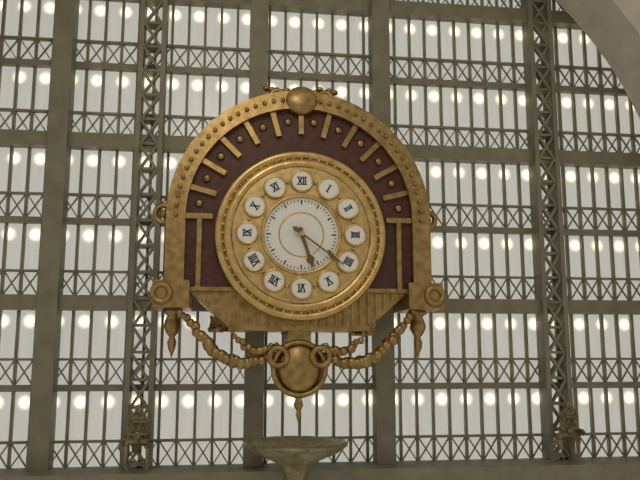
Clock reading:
5.21
